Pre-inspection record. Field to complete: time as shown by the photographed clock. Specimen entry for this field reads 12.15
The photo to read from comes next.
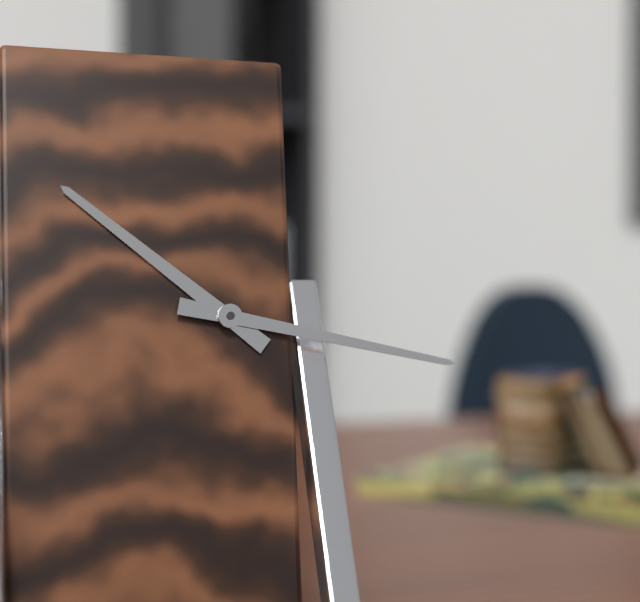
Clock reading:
10.17
